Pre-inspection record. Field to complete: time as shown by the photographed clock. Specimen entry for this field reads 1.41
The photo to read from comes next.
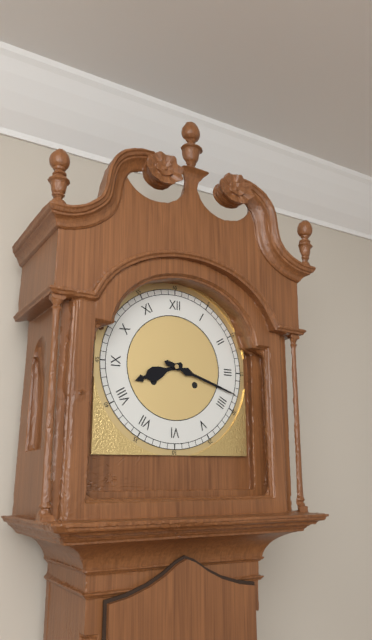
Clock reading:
8.18
